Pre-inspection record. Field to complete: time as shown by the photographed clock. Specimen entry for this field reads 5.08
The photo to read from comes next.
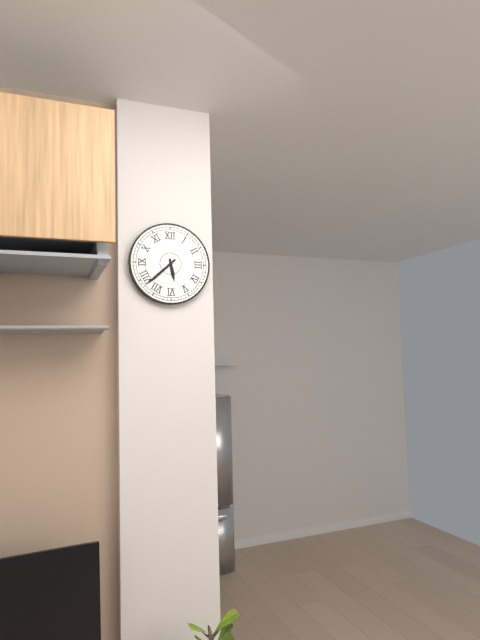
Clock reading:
5.38
